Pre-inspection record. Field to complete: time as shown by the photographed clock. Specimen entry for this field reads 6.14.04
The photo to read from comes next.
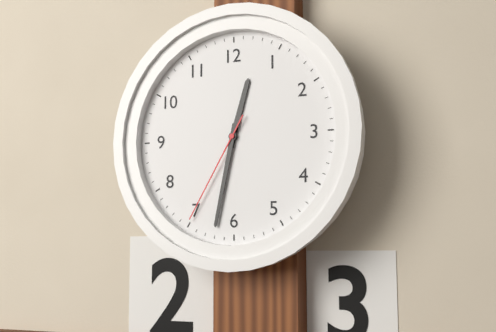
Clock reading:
12.32.35
